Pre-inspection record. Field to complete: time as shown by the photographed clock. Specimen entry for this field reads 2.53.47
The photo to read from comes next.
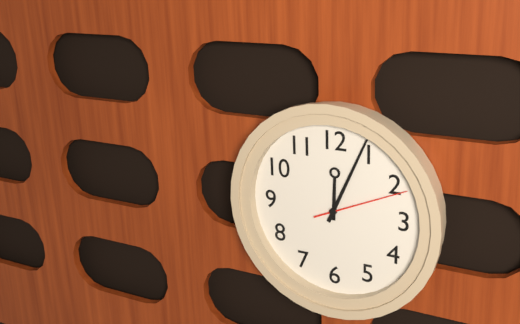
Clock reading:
12.04.11
